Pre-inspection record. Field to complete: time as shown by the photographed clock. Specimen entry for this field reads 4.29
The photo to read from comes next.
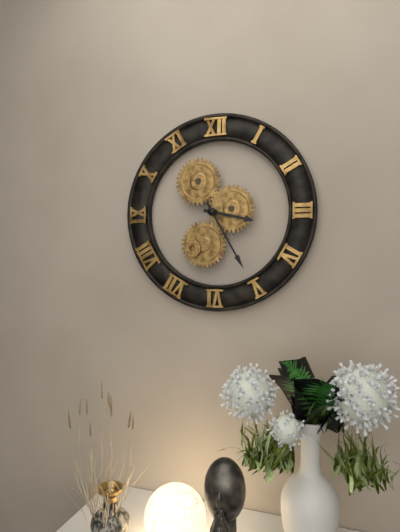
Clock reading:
3.25
